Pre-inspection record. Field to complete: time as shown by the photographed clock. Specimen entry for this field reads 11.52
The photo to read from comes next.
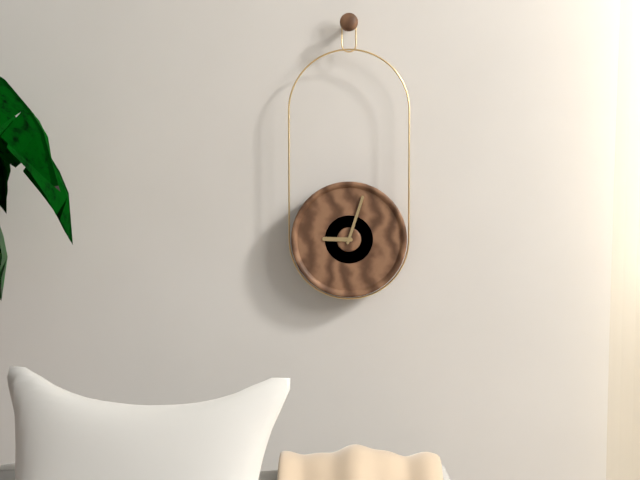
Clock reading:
9.03
